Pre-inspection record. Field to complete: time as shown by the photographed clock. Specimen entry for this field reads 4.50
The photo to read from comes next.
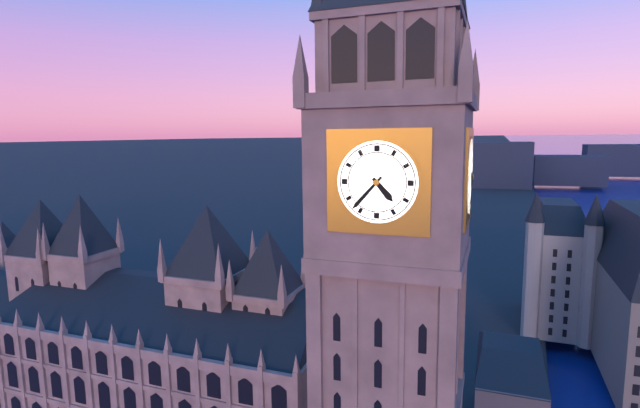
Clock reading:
4.37
